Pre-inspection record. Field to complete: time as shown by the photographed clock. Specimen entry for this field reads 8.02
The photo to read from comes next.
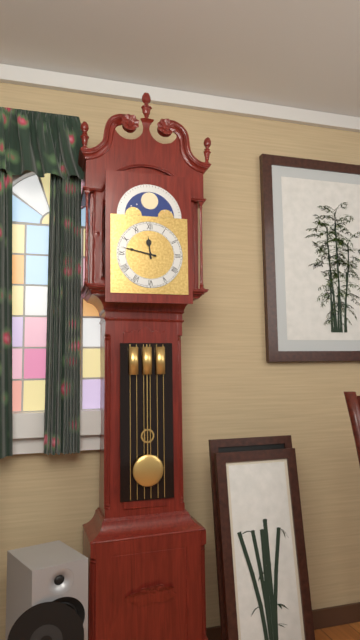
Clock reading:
11.47
